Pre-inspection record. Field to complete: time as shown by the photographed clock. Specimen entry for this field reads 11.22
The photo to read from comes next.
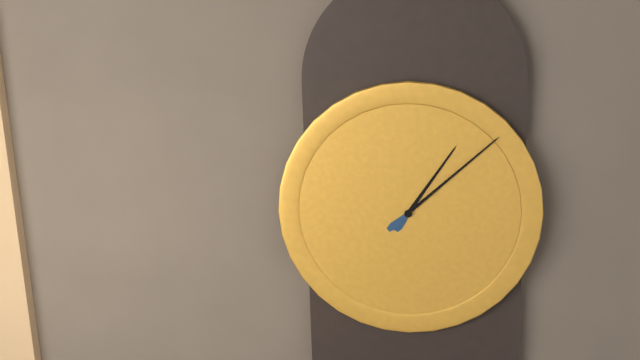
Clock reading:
1.08
